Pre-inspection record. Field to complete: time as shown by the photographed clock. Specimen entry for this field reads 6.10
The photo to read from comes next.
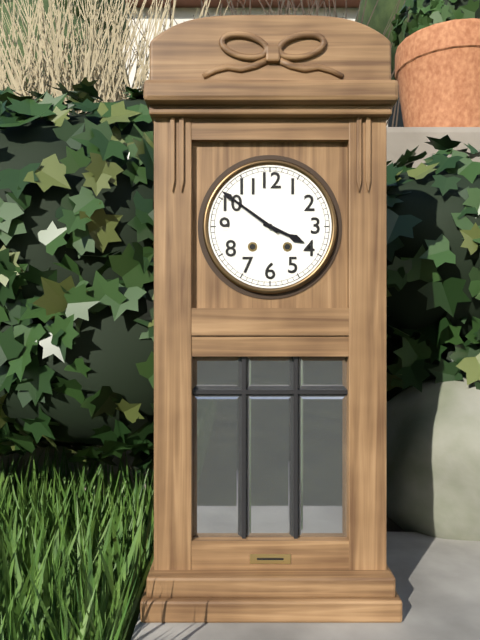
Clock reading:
3.51
